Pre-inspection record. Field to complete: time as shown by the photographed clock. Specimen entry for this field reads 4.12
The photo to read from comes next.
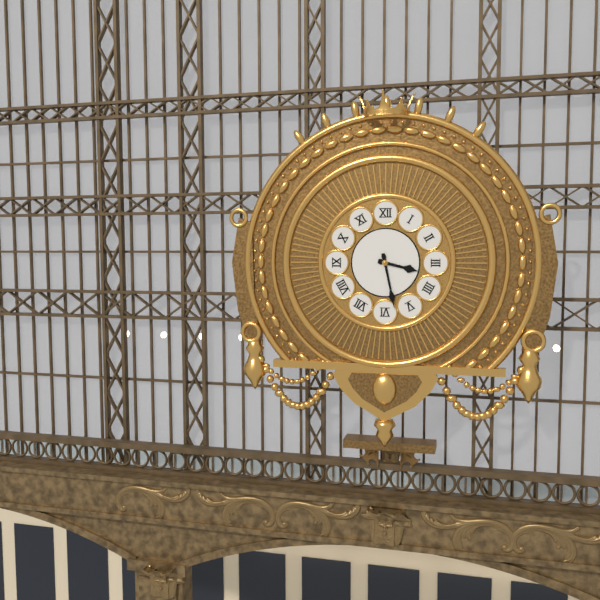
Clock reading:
3.28
